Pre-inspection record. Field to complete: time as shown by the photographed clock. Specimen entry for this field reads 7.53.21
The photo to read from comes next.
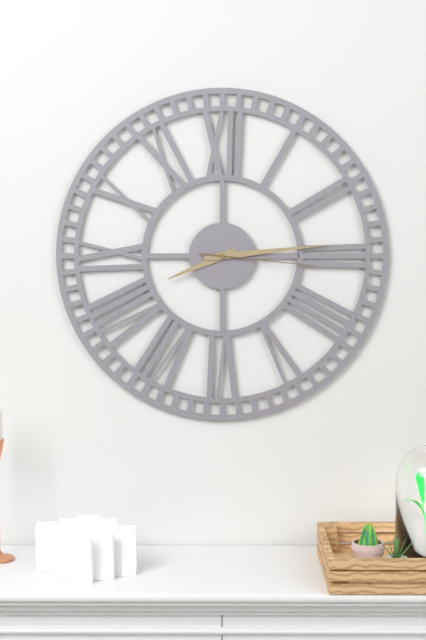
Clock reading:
8.14.16
